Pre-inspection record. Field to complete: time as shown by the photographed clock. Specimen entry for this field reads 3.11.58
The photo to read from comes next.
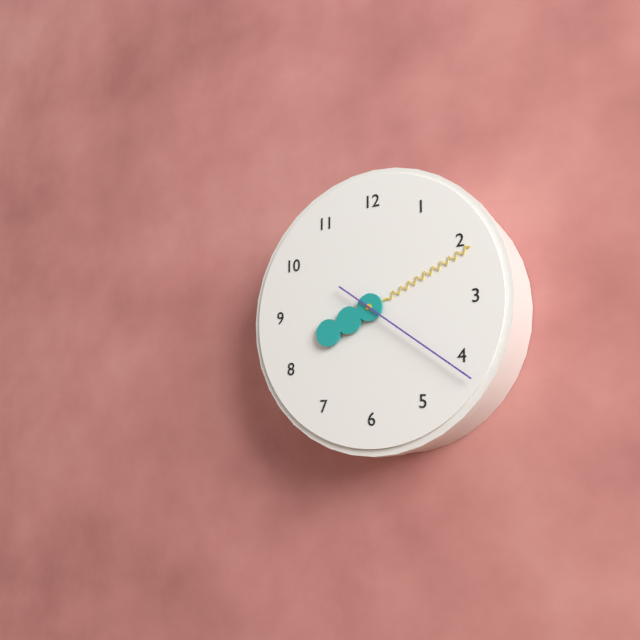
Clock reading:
8.11.21
